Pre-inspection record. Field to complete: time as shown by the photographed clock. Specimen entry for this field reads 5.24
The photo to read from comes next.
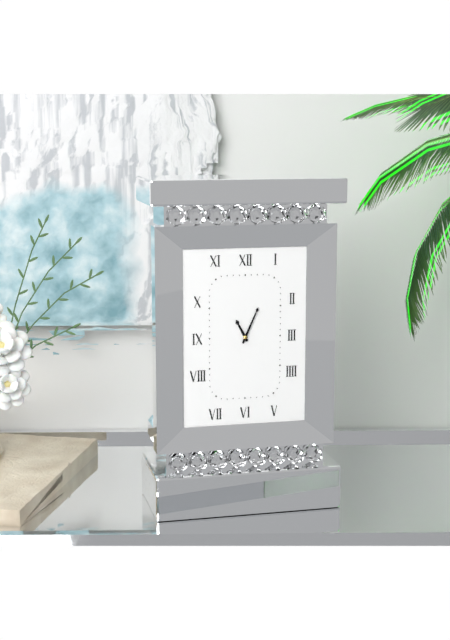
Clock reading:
11.04
